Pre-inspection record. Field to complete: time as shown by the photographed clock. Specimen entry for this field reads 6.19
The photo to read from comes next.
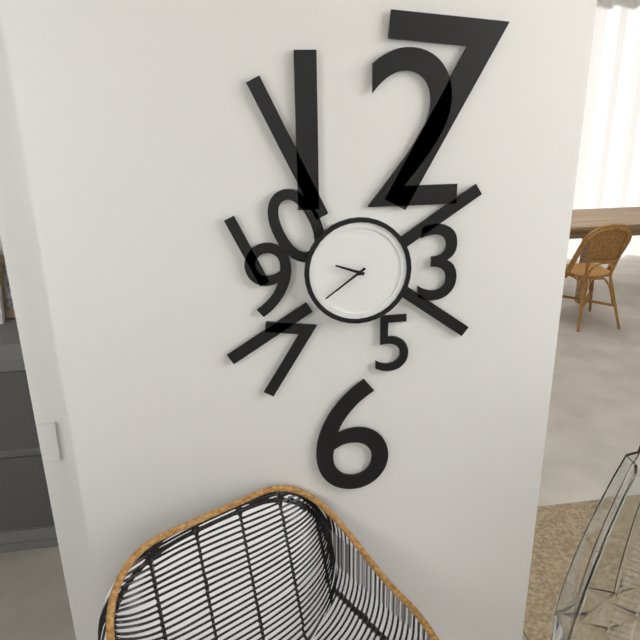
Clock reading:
9.39
